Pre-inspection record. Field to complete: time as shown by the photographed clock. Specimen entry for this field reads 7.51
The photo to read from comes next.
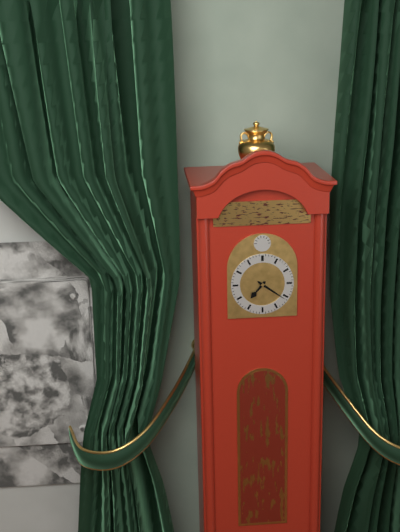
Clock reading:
7.21
